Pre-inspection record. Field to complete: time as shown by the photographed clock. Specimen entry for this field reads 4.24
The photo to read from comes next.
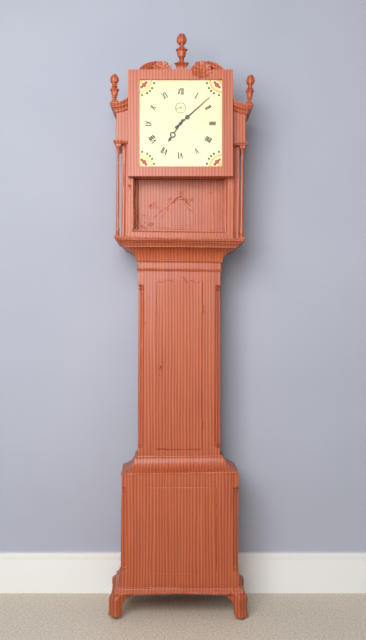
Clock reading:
7.08
